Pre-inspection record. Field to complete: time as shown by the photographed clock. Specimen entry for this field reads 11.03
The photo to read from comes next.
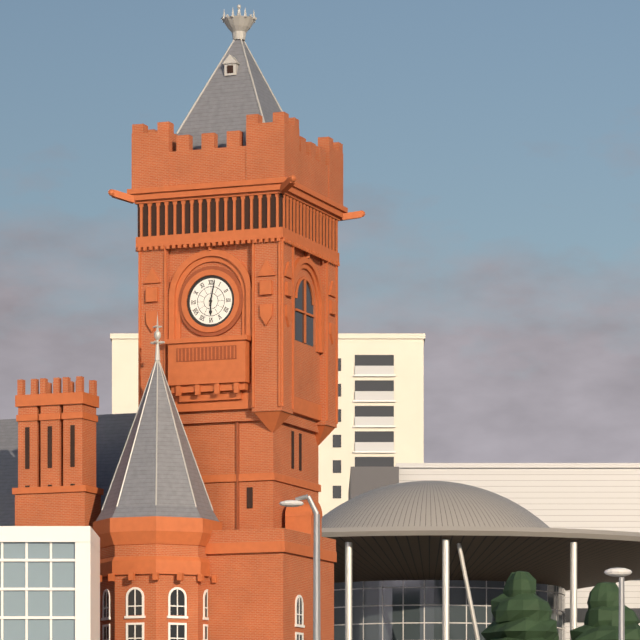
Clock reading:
6.02
